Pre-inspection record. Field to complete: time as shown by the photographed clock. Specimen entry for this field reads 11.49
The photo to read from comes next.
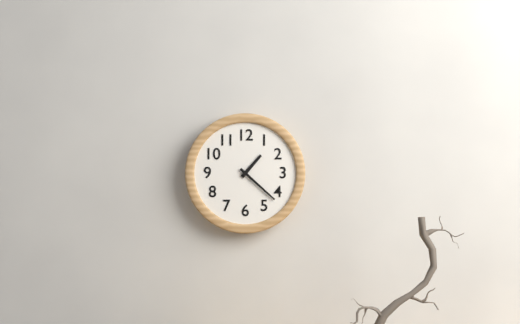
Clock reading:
1.22
